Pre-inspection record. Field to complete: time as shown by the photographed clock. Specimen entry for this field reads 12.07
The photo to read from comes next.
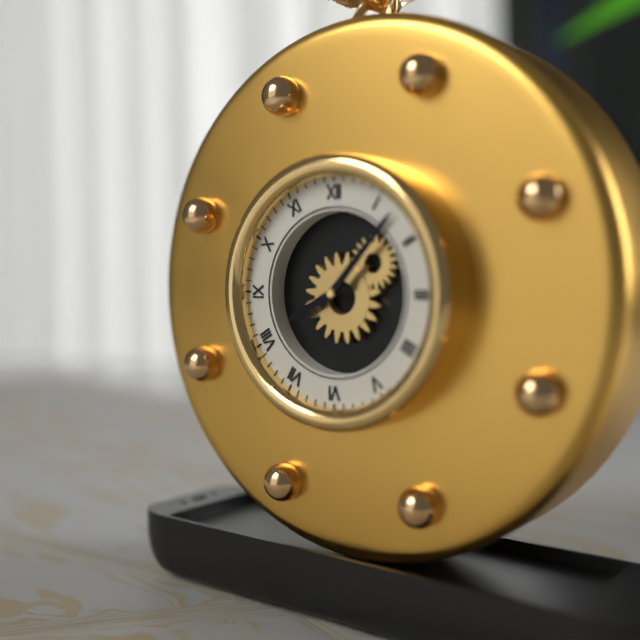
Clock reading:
8.07
